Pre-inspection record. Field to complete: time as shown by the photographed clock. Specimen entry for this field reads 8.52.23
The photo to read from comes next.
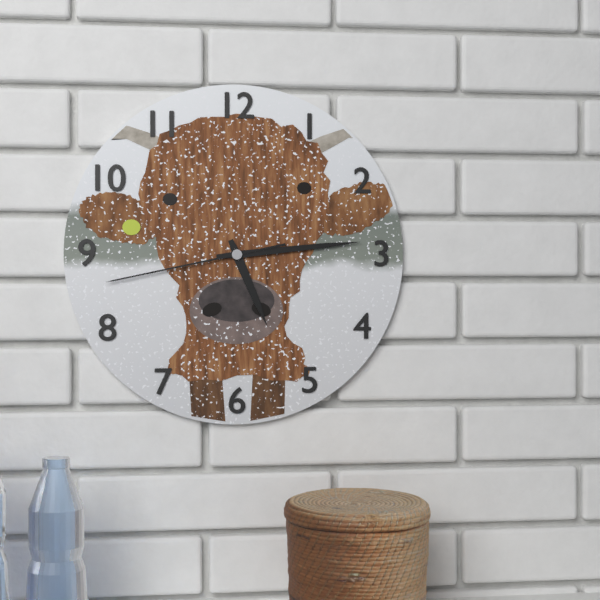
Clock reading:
5.14.43
